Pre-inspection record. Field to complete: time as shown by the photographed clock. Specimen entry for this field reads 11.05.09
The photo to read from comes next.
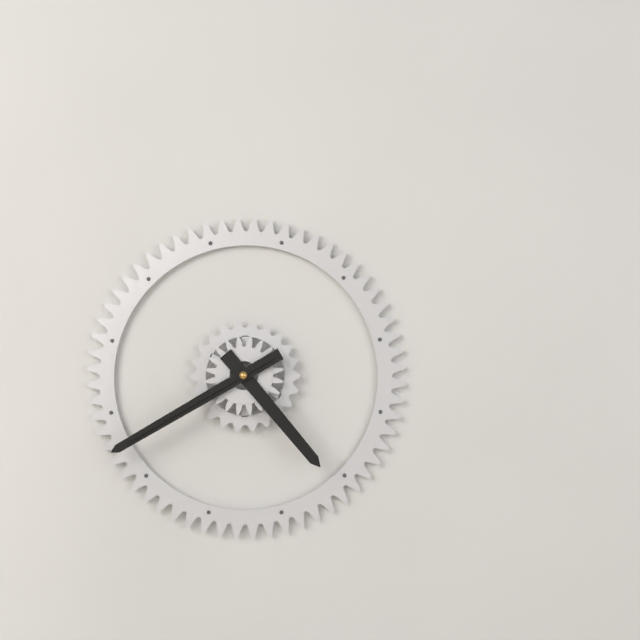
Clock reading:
4.40.40
